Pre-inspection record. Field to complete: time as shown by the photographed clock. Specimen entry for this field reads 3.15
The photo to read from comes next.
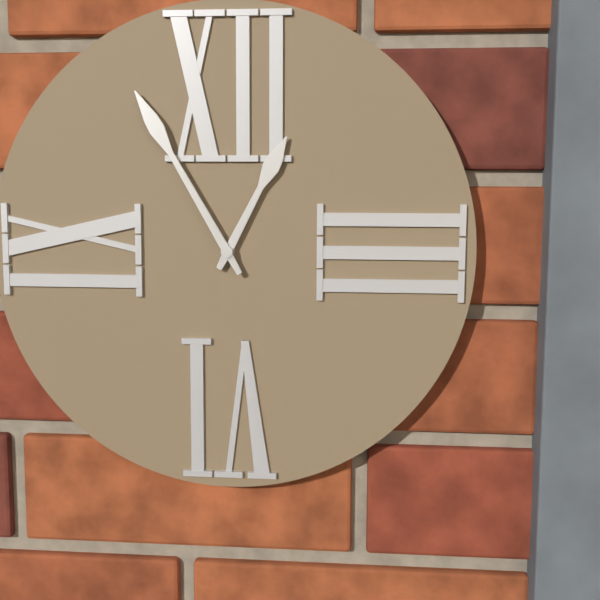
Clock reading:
12.55
